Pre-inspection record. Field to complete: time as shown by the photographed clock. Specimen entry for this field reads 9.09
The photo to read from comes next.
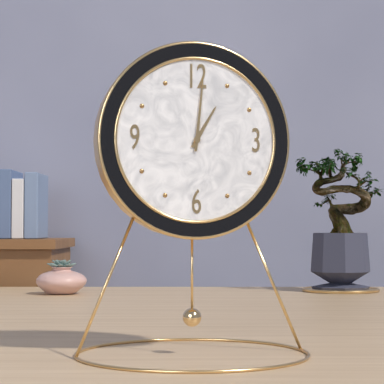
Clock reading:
1.01
